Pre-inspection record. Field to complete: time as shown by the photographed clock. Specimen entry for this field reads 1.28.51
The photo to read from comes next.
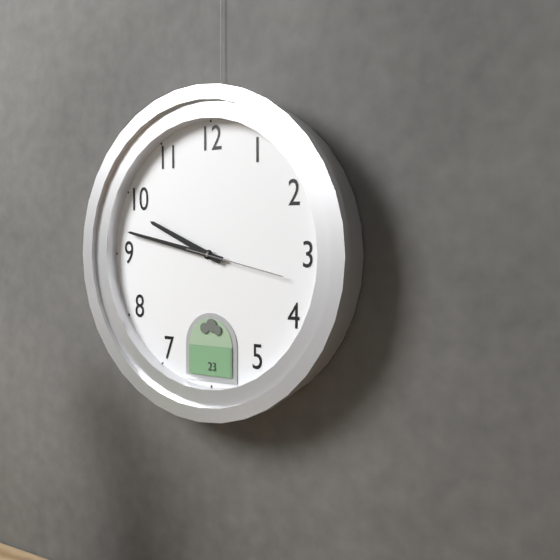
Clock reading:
9.47.17
